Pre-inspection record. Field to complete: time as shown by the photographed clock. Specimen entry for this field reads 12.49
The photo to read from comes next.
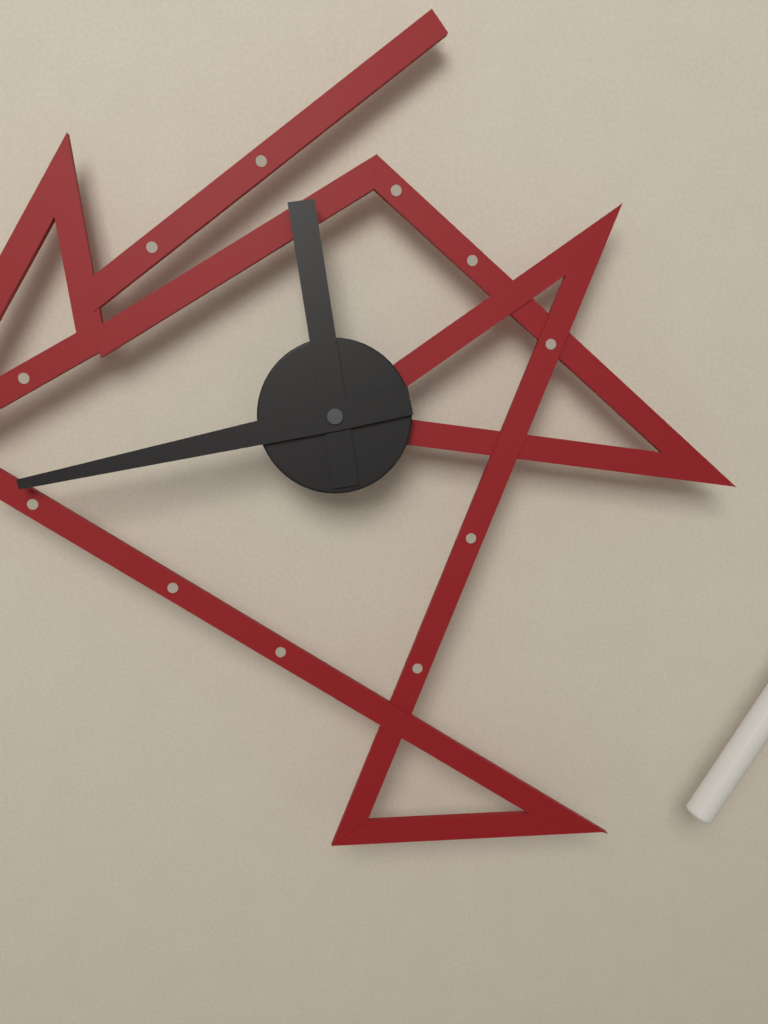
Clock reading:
11.43
